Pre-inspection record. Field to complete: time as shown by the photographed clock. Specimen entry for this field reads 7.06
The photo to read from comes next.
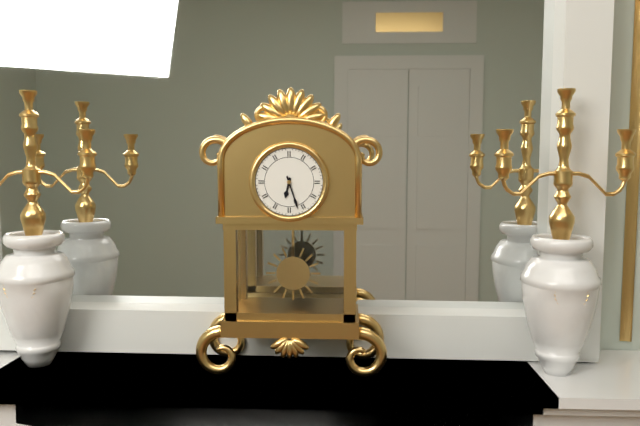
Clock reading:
6.27
